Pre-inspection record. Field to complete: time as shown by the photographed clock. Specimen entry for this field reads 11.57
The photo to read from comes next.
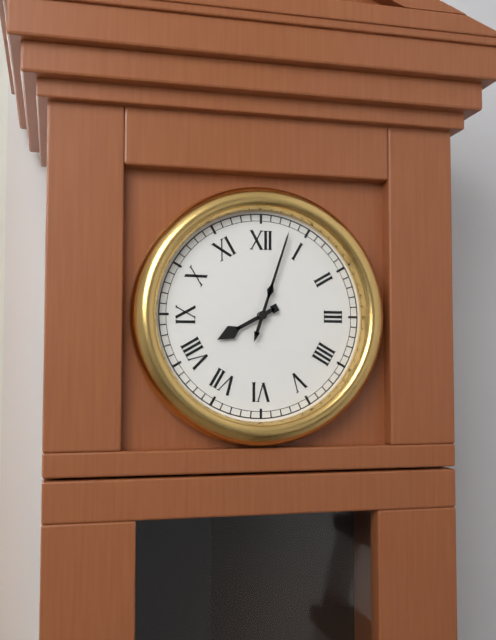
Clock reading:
8.03
